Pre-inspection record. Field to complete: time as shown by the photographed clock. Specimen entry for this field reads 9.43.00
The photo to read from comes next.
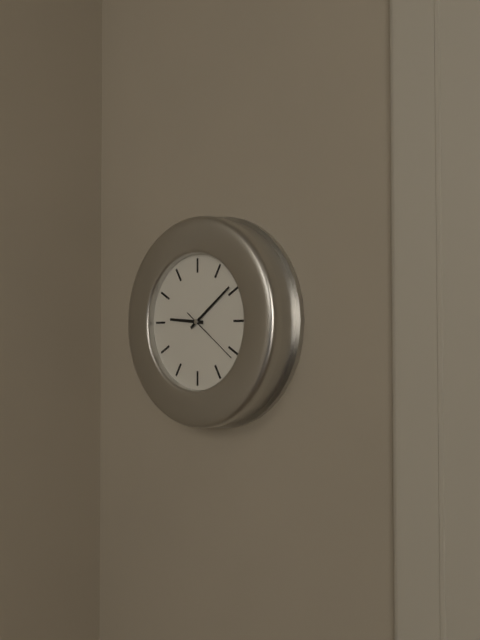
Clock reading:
9.09.21
